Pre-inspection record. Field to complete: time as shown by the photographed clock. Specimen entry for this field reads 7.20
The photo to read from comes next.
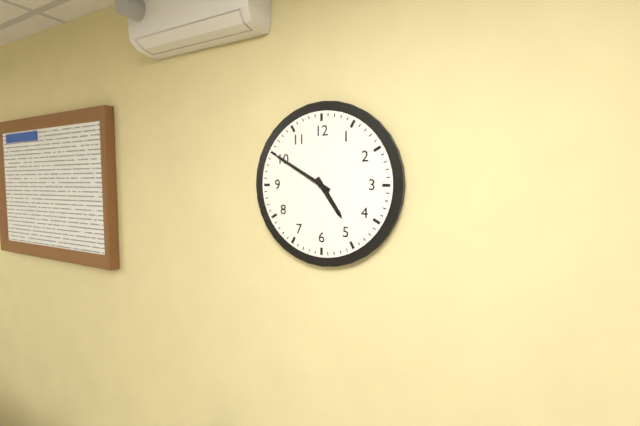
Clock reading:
4.50
